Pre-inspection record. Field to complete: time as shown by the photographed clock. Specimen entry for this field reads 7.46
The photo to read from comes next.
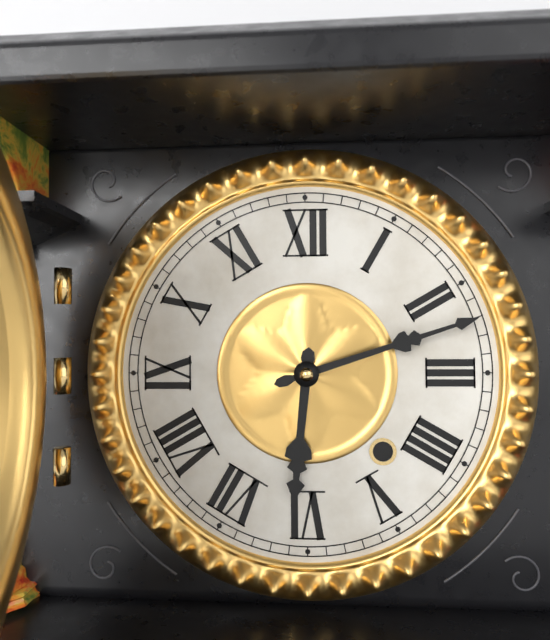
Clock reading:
6.12
